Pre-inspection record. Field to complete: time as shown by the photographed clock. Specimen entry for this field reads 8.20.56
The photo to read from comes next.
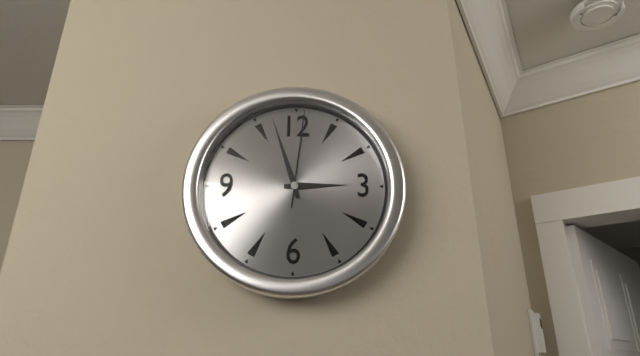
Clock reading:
2.57.01
